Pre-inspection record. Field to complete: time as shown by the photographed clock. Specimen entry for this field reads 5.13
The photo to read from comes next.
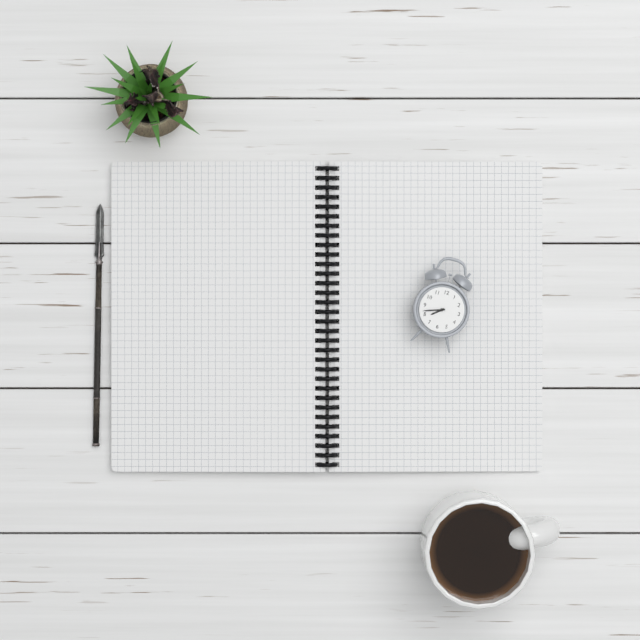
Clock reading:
7.42
